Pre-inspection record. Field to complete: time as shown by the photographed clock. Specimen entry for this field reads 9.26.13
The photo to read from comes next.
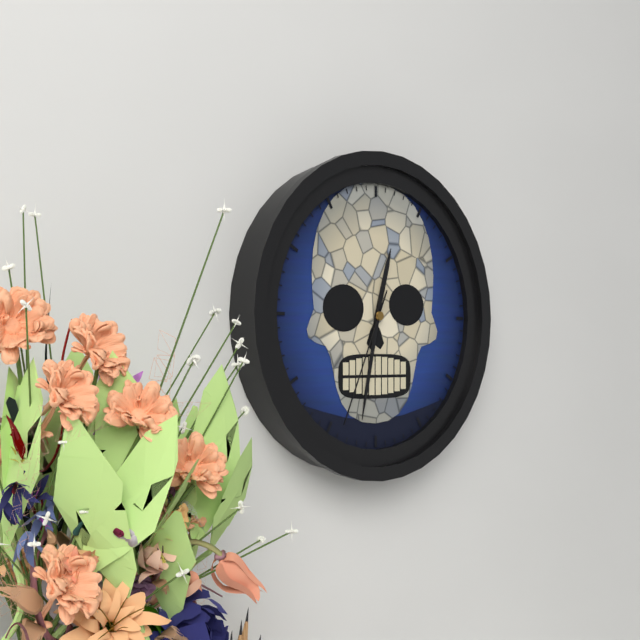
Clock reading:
12.32.34
